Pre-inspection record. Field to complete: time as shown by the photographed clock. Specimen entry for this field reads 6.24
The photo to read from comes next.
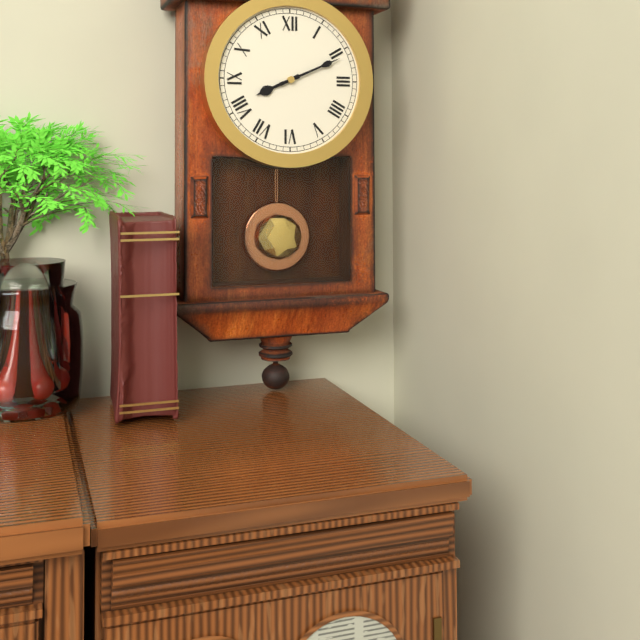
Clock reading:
8.11
